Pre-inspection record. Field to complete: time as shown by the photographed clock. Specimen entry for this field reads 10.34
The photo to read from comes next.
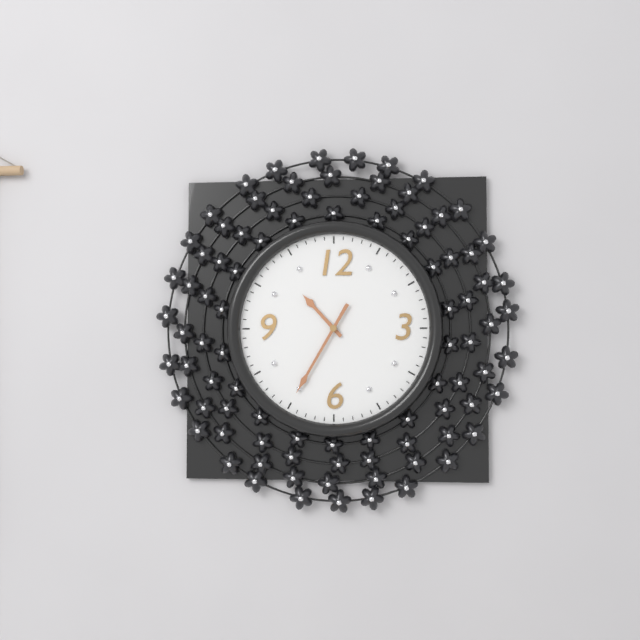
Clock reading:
10.35
